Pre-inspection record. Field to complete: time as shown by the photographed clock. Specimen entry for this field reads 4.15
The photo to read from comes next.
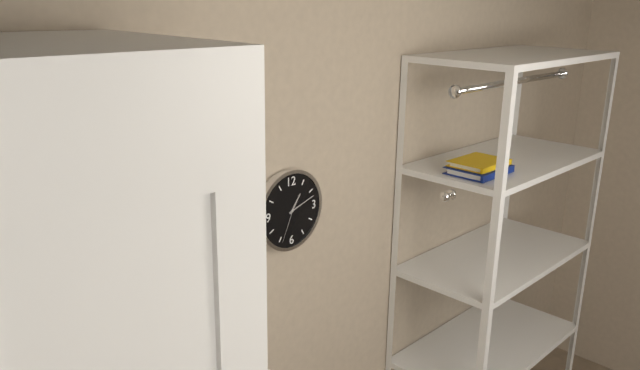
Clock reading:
1.12
